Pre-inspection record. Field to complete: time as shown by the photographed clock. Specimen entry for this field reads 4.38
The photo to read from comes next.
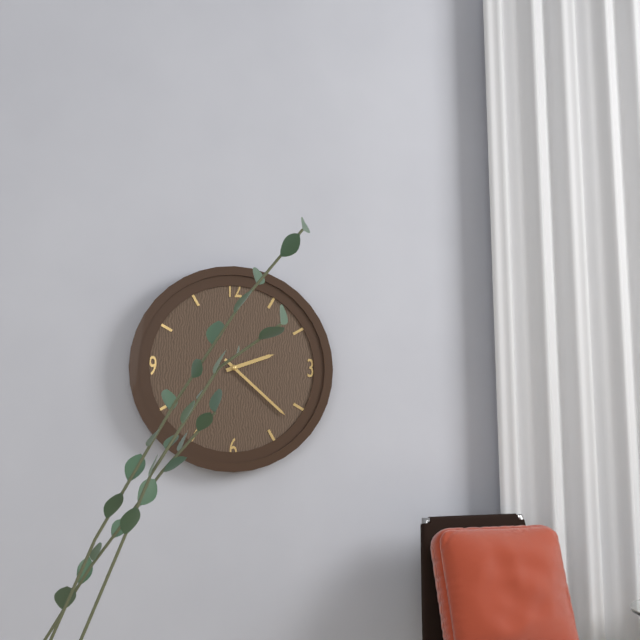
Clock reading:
2.22
